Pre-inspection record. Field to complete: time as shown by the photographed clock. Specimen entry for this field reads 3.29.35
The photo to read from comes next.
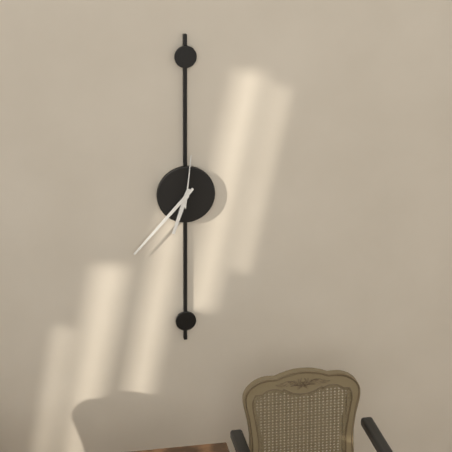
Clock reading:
6.37.01
